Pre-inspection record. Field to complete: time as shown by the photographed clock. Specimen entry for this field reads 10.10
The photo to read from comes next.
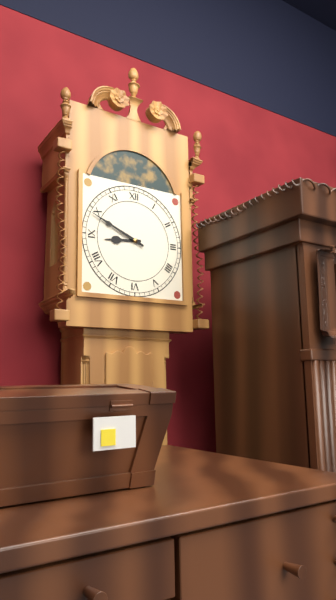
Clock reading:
8.49
